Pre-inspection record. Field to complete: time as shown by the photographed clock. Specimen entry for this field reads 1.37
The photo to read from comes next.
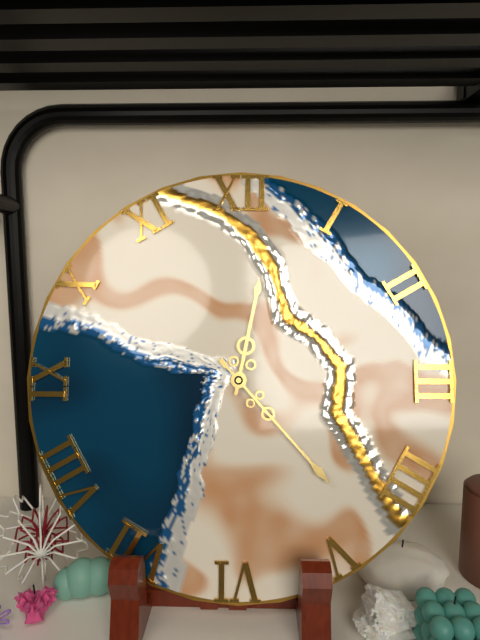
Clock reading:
12.23
